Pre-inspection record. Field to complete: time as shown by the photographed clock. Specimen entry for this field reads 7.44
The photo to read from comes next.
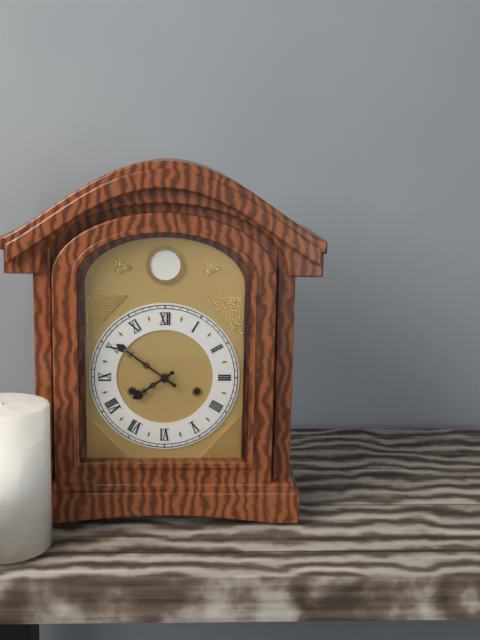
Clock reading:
7.51
